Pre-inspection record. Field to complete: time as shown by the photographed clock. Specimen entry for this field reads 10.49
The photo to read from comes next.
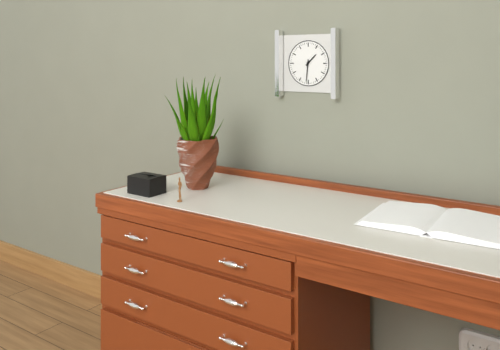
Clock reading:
1.31
